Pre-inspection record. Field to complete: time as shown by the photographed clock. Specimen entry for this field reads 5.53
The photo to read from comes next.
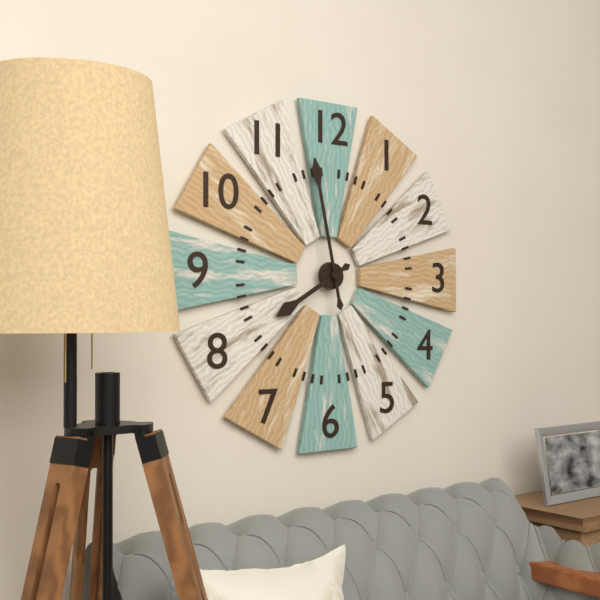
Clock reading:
7.58
